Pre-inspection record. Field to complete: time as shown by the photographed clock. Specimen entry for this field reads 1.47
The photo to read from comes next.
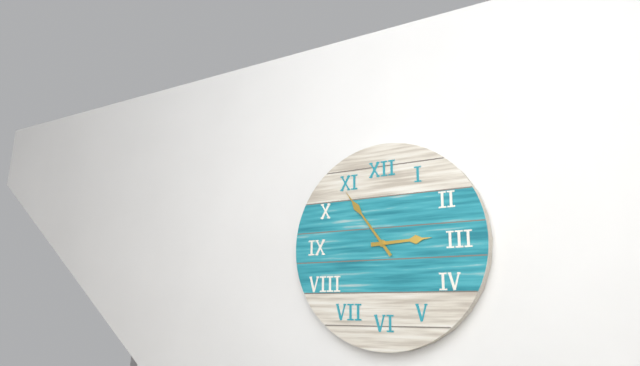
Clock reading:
2.54
